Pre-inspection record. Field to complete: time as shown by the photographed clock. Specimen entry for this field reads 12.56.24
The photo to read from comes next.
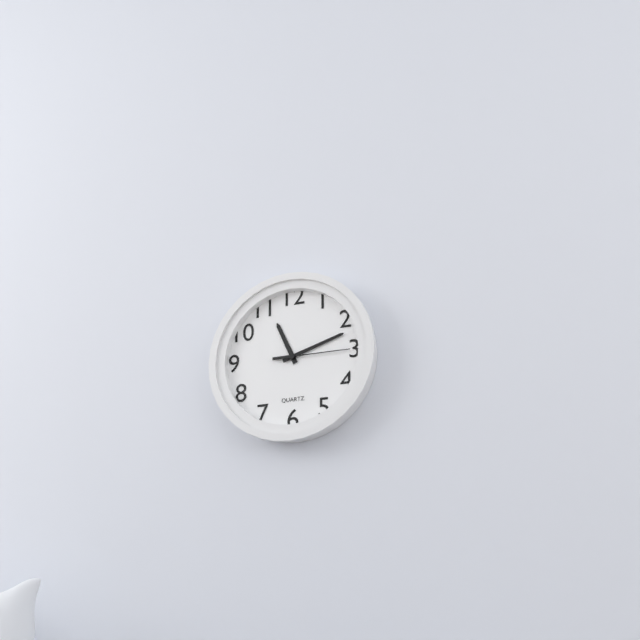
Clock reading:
11.12.15
